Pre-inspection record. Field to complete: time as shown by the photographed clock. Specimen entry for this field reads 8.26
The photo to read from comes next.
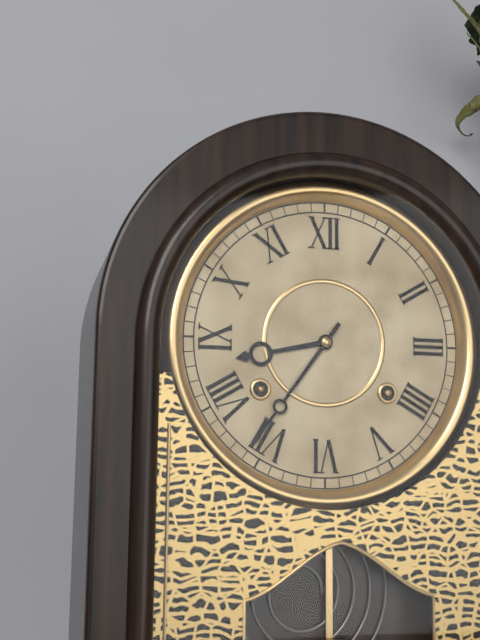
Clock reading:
8.36
